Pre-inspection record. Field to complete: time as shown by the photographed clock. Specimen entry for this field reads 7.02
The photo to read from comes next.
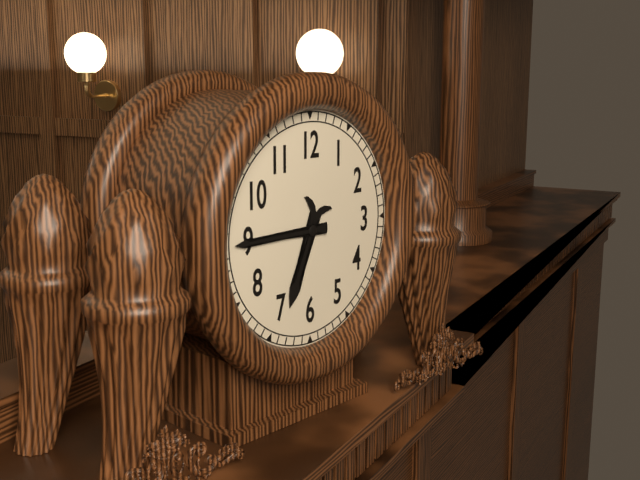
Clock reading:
6.45
